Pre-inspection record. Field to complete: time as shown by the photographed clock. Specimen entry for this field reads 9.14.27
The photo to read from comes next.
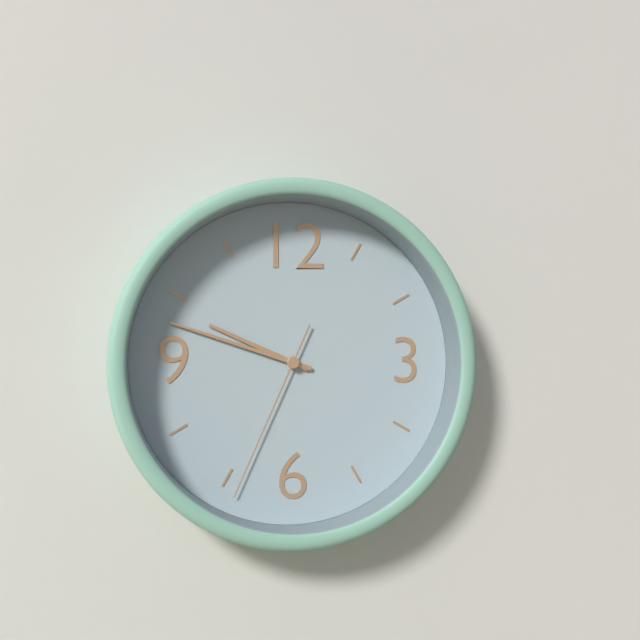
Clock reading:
9.48.34
